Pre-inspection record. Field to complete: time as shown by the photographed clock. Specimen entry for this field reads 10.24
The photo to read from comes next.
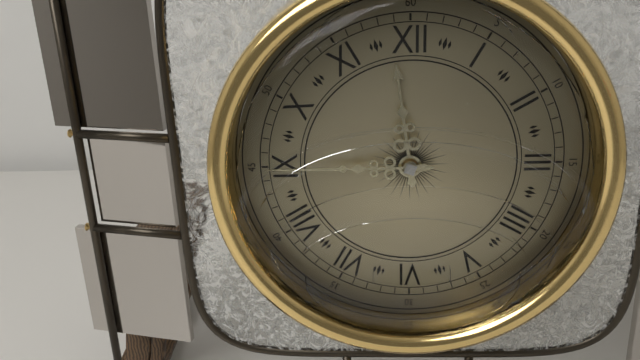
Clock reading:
11.45
